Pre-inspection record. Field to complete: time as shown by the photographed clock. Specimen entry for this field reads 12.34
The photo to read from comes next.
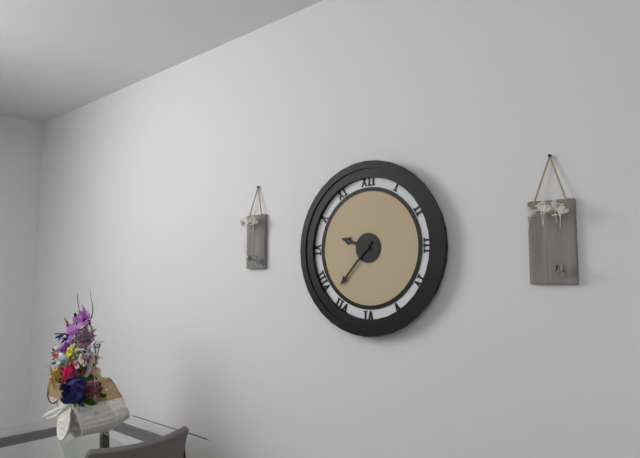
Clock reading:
9.37
